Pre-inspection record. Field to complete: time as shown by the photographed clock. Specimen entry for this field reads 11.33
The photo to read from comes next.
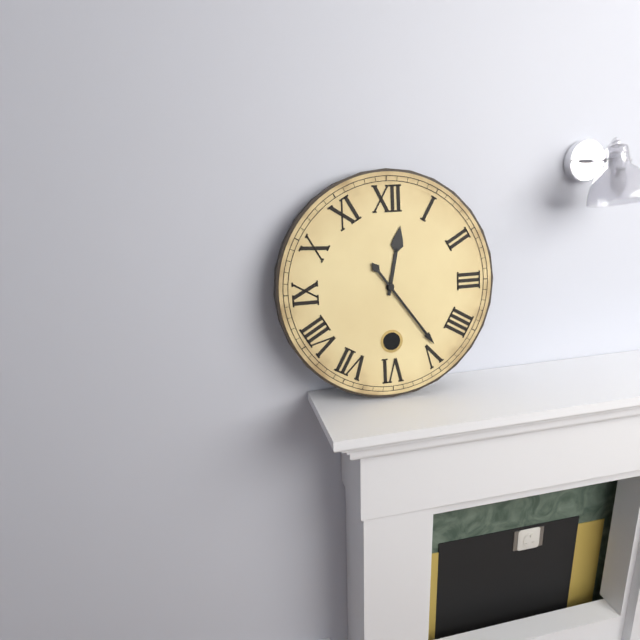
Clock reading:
12.24
